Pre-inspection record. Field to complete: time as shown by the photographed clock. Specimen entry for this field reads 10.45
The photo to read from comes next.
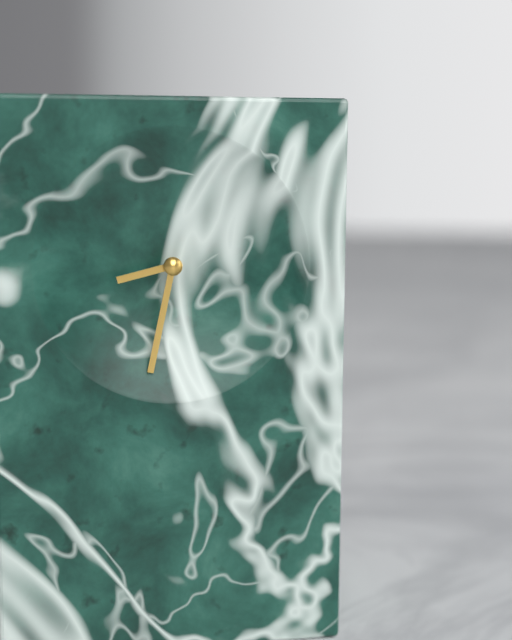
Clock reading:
8.32
